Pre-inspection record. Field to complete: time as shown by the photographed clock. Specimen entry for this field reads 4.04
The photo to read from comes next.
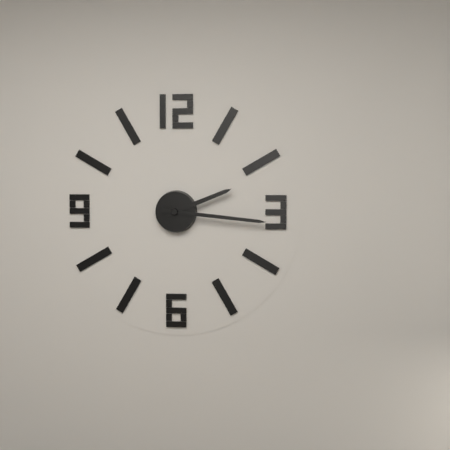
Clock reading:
2.16
